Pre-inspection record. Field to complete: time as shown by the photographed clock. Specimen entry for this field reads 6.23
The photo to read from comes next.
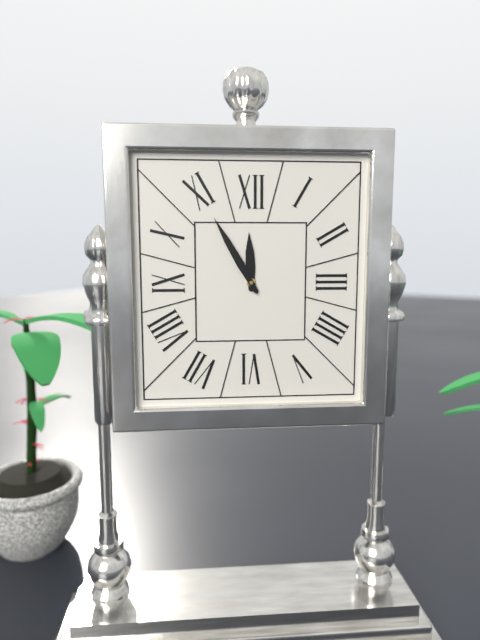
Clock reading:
11.55
